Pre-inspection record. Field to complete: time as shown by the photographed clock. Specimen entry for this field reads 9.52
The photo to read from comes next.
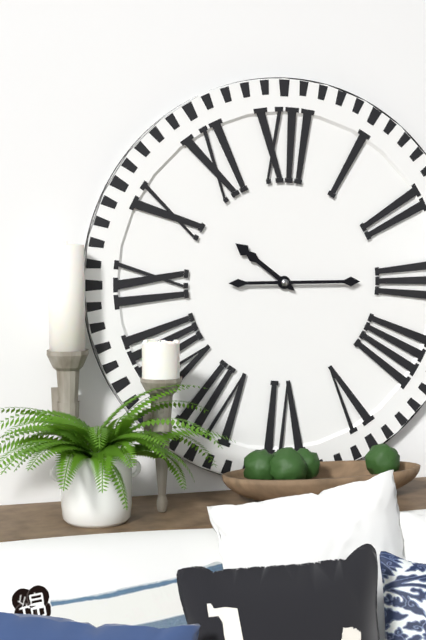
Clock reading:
10.15
